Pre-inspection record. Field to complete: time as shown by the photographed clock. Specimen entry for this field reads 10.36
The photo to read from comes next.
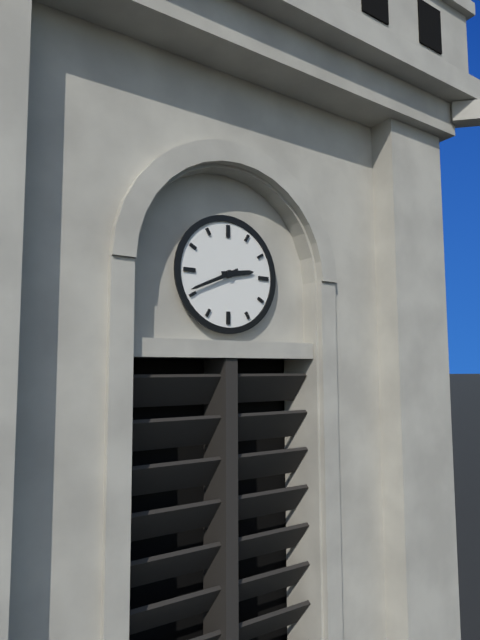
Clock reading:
2.41
